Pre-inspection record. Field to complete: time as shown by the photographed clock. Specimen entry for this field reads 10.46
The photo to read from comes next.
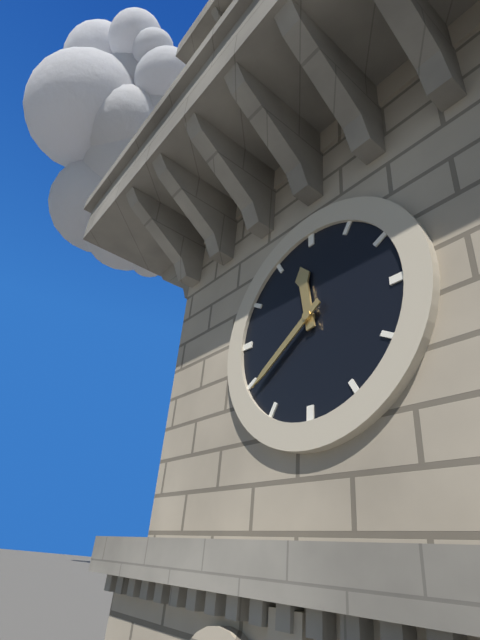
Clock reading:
11.39
